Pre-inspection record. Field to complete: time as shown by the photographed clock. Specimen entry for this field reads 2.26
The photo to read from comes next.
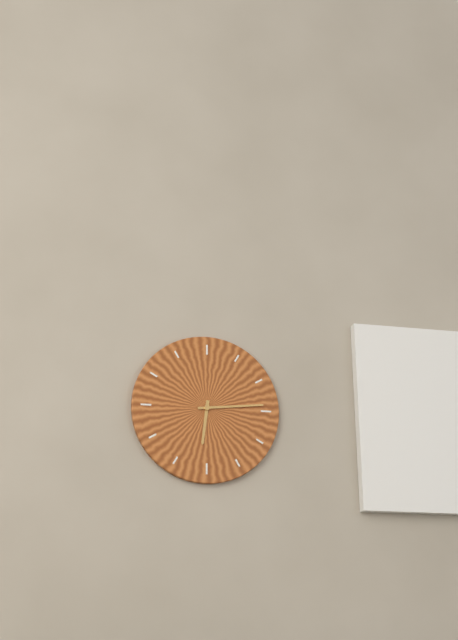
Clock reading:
6.14
